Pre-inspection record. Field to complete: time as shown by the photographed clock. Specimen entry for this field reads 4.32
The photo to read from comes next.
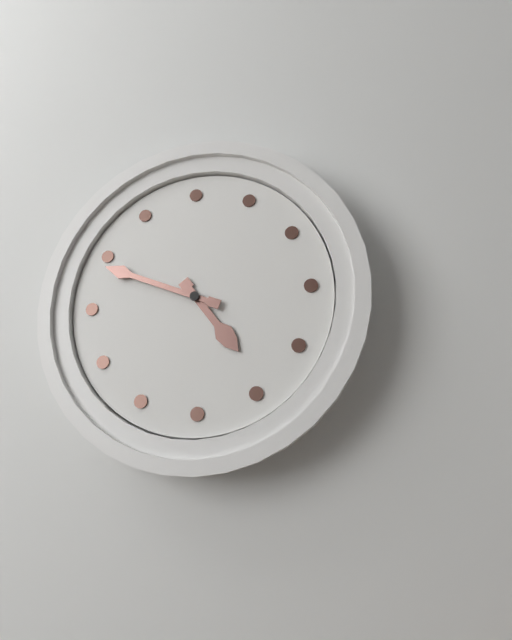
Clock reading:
4.49
